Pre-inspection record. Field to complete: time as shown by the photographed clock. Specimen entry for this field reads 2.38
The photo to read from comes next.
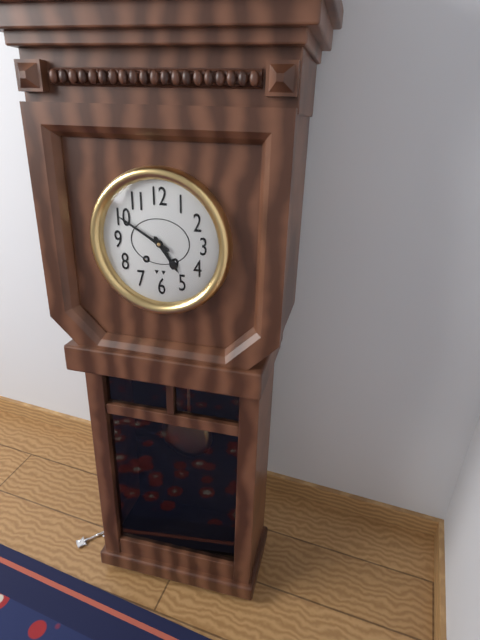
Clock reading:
4.50
